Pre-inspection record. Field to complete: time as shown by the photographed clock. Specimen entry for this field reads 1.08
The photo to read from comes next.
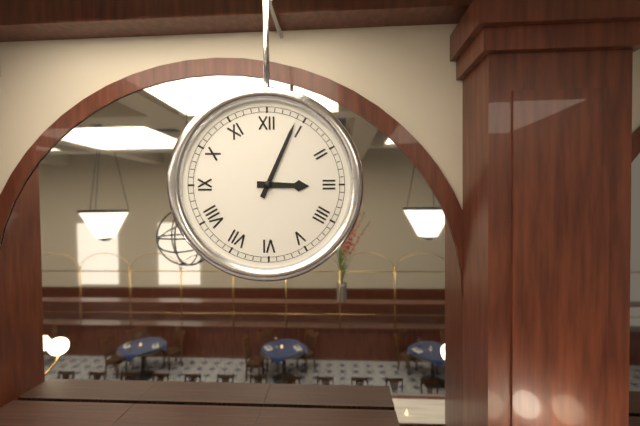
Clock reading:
3.04
